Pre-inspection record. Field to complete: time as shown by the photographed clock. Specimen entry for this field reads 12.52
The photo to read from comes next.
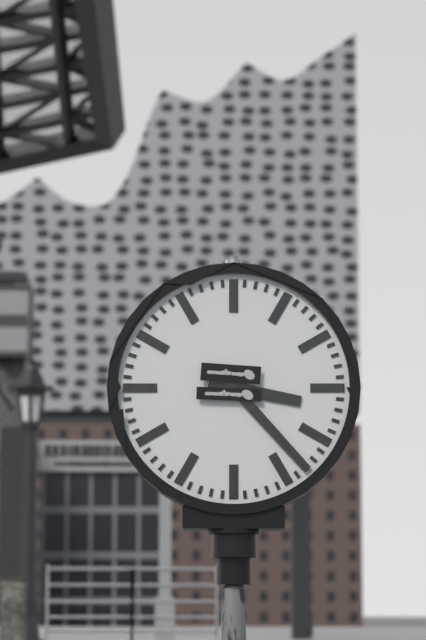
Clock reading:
3.23
